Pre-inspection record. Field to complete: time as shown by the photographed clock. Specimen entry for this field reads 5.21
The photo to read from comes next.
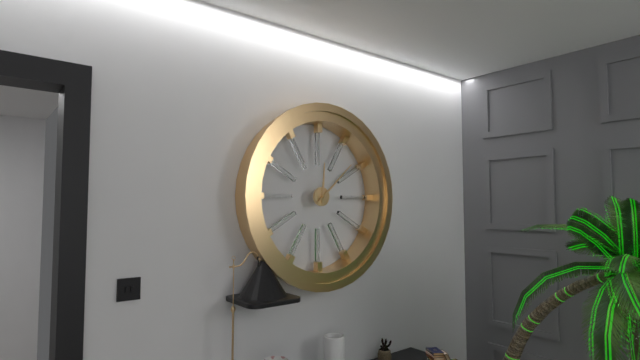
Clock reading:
12.08
